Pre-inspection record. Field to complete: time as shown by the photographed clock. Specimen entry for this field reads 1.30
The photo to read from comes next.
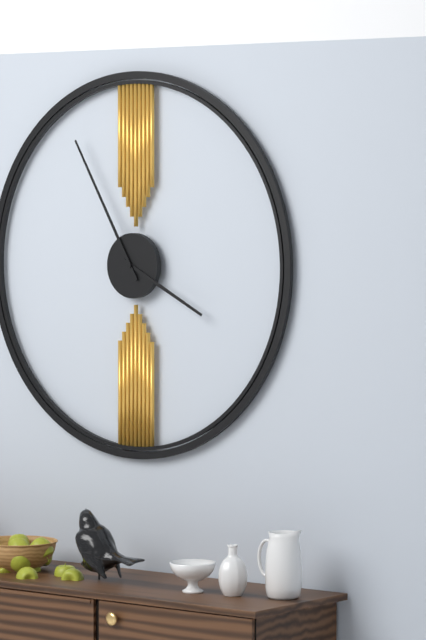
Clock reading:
3.55
